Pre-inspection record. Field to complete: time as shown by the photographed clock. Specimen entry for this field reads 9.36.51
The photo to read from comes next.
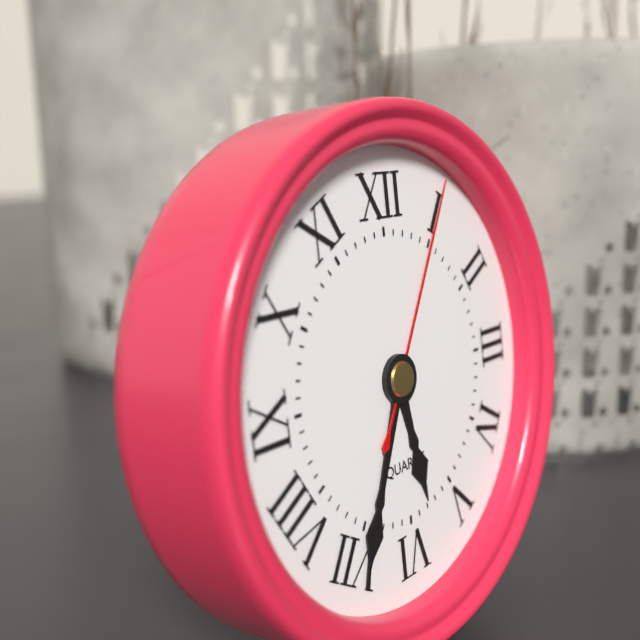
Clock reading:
5.34.05
